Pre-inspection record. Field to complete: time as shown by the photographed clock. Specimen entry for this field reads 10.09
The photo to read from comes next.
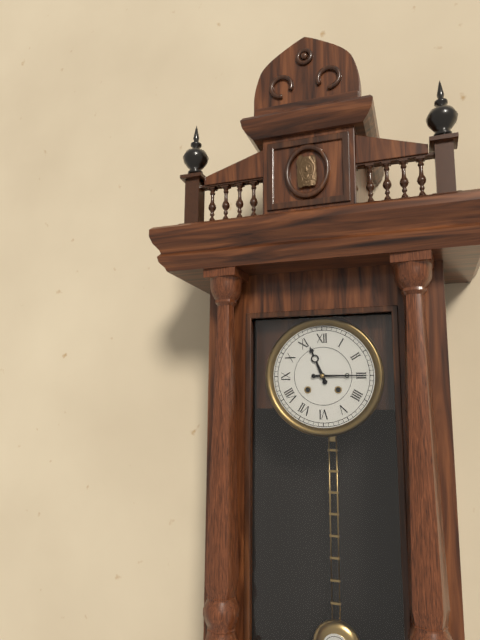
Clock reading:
11.15
